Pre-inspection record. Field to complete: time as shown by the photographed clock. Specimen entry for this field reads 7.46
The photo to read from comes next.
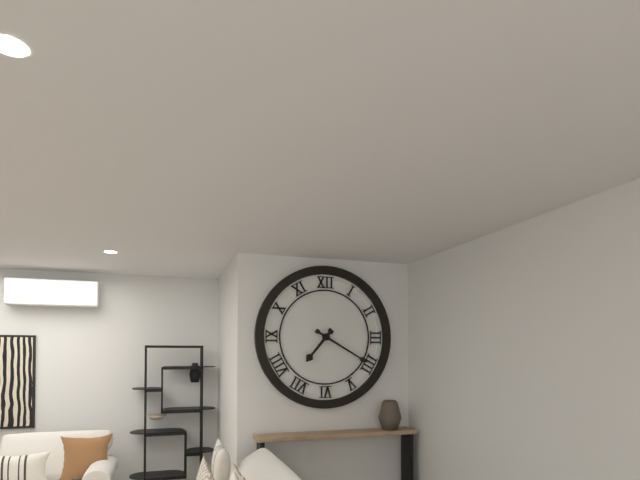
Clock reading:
7.20
